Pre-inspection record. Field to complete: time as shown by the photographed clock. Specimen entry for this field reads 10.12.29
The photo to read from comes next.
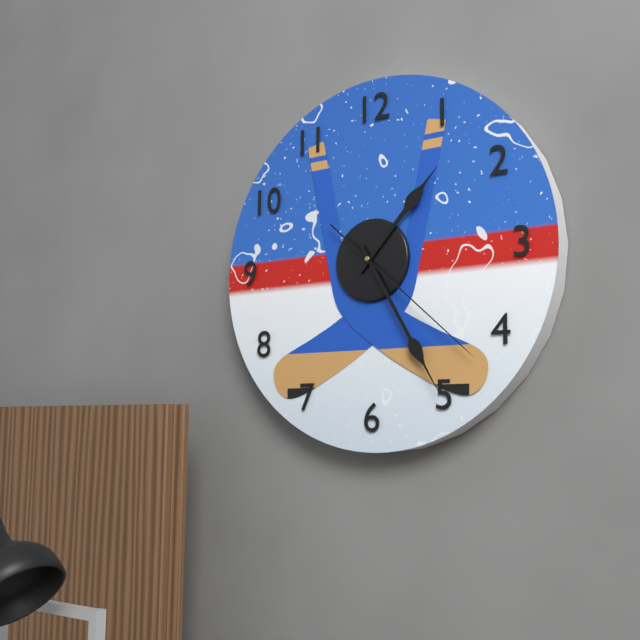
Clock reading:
1.25.22
